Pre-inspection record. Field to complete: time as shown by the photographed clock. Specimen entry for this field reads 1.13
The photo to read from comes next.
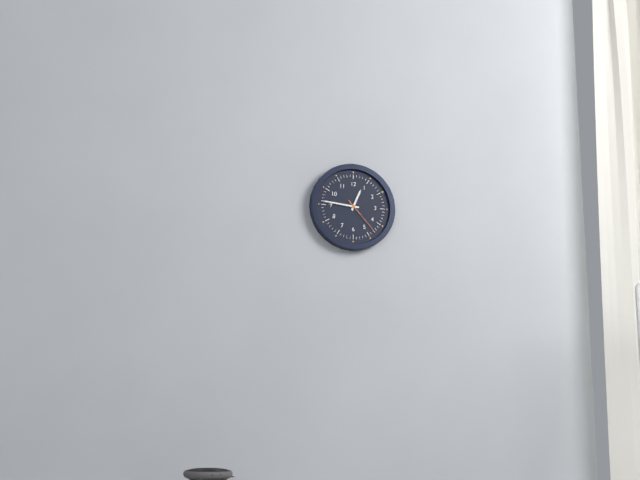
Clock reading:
12.46
